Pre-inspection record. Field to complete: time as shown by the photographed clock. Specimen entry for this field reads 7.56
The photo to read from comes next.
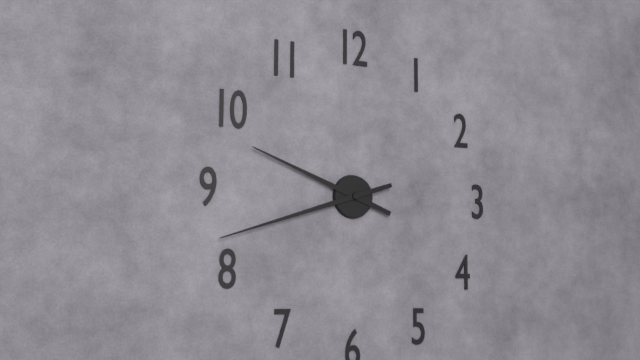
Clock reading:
9.42
